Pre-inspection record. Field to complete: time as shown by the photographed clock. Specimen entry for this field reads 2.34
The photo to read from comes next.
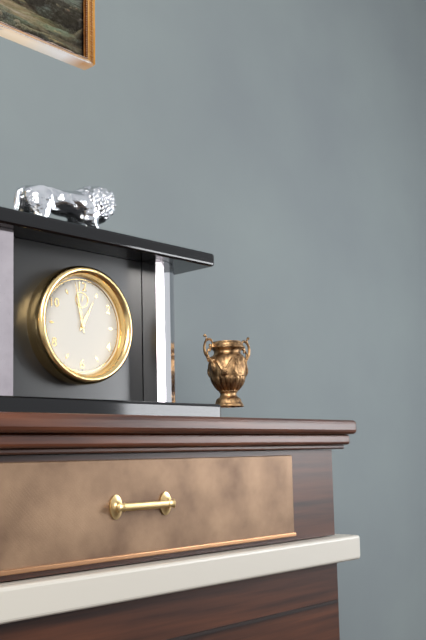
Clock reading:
12.58
